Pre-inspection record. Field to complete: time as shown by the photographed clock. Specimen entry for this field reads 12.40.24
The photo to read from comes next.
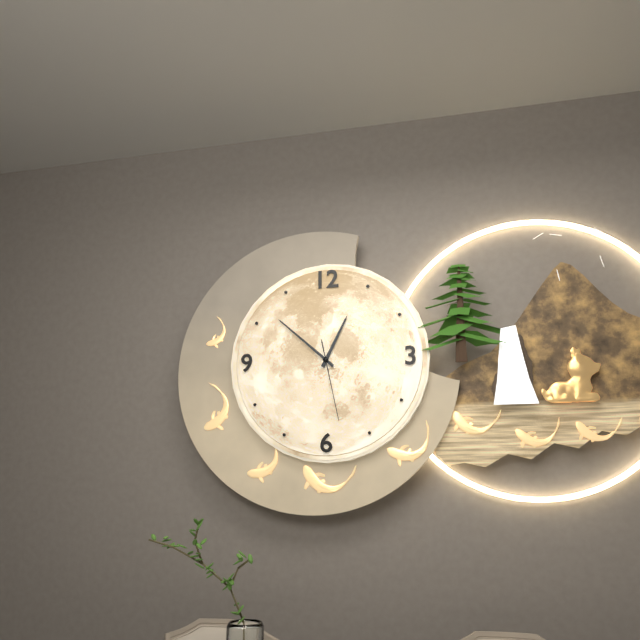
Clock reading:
12.52.28
